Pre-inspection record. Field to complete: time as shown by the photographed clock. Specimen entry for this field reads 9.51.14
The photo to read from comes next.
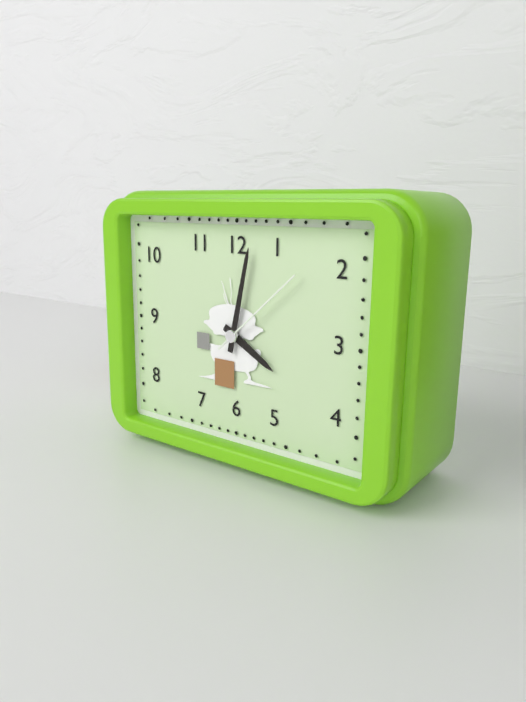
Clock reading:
4.02.08
